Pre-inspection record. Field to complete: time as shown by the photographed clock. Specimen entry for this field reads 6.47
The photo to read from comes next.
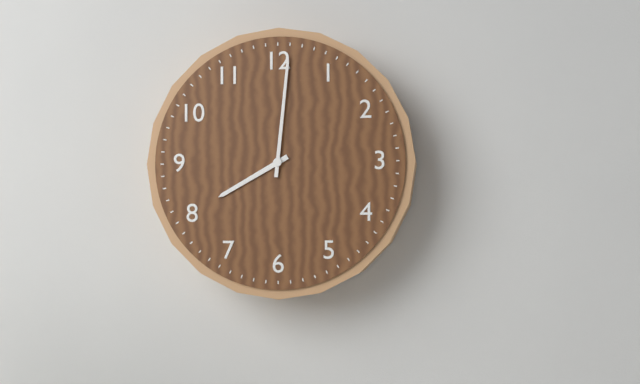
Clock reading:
8.01
